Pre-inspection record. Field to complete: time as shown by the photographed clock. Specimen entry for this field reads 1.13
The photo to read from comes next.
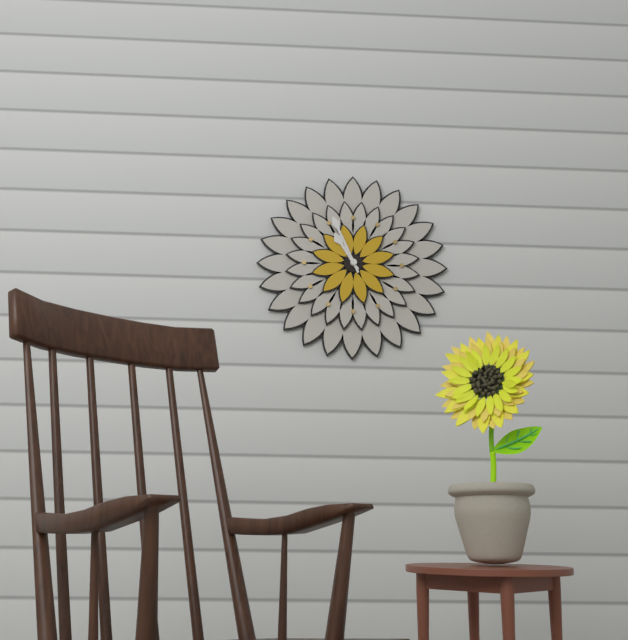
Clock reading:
10.56
